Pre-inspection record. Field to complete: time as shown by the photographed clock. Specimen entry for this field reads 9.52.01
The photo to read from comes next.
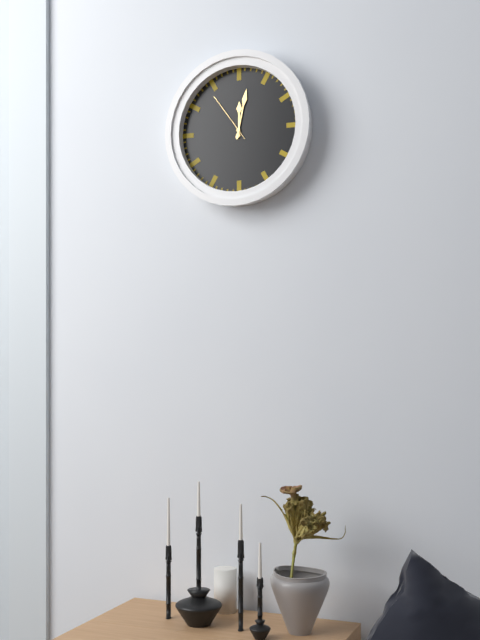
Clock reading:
12.02.54
